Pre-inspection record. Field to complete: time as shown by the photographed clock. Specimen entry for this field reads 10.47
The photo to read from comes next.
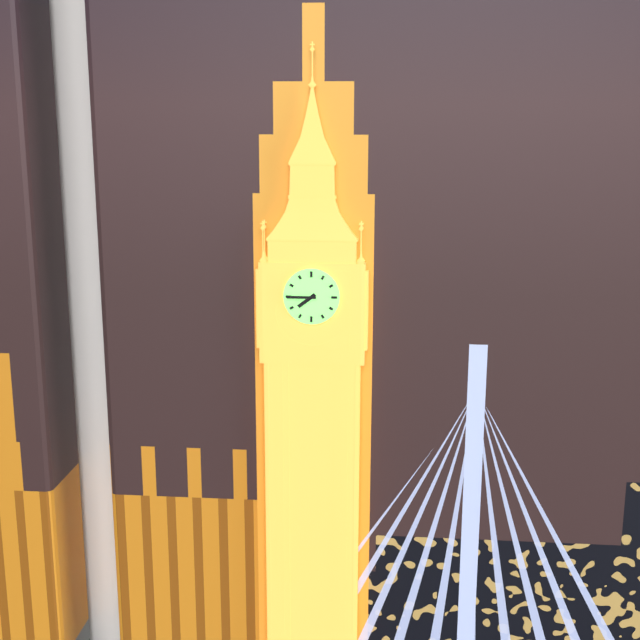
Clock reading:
7.45
